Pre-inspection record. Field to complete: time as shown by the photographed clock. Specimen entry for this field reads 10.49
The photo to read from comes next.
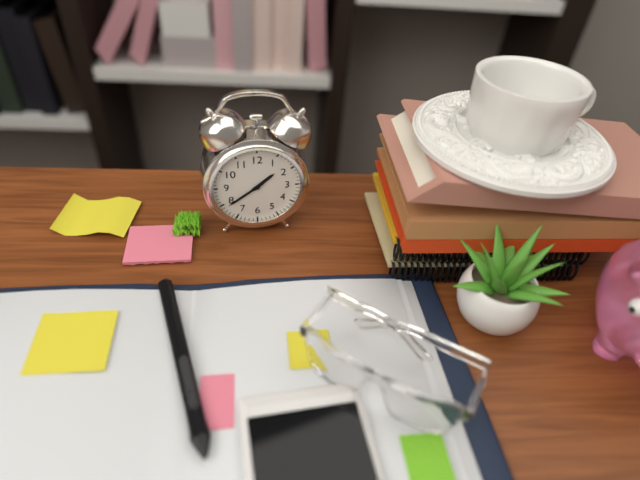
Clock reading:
1.39
